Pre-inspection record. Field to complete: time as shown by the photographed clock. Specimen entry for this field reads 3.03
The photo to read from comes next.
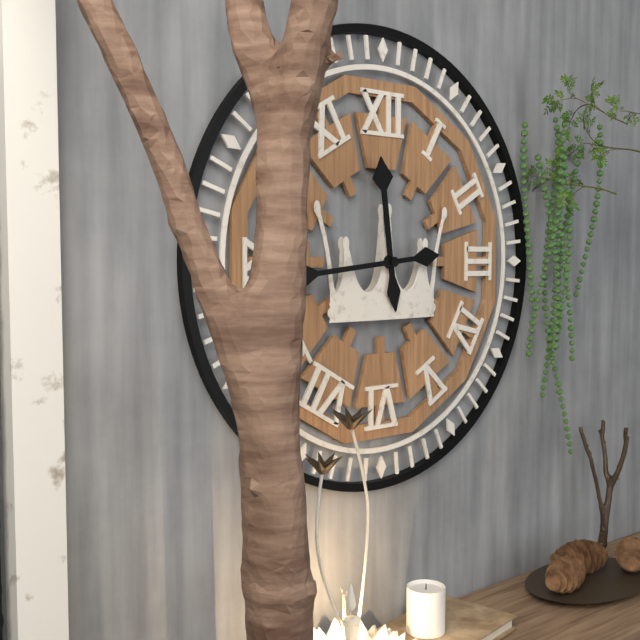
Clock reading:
11.44
